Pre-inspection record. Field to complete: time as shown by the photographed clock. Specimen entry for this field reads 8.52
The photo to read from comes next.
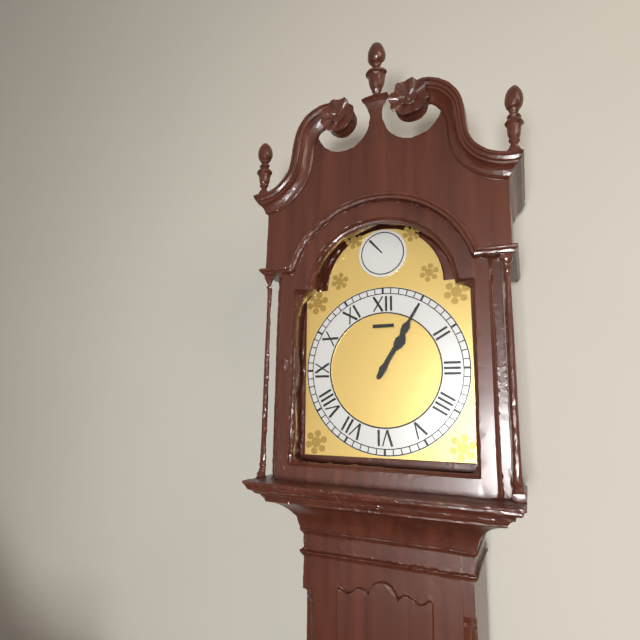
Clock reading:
1.05
